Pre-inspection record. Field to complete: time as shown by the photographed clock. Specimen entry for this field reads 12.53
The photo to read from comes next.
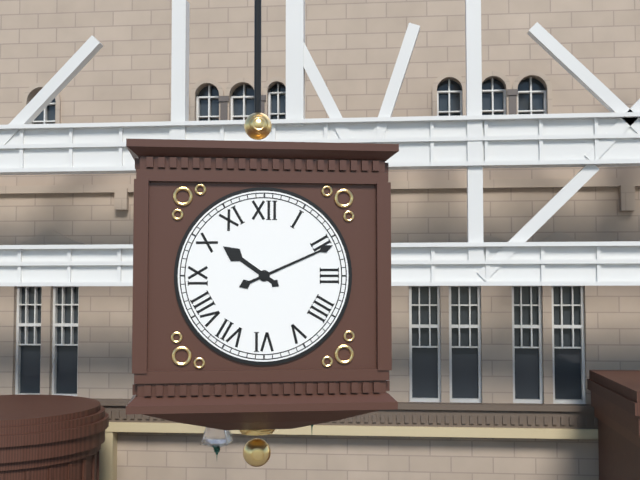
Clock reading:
10.11
